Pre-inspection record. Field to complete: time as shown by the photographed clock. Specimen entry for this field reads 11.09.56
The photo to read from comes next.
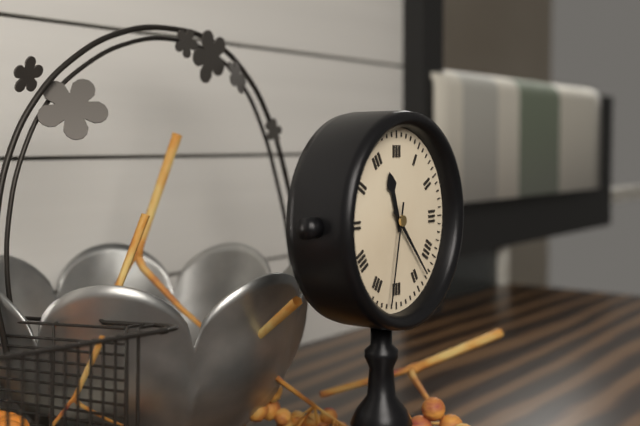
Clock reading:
11.23.32
